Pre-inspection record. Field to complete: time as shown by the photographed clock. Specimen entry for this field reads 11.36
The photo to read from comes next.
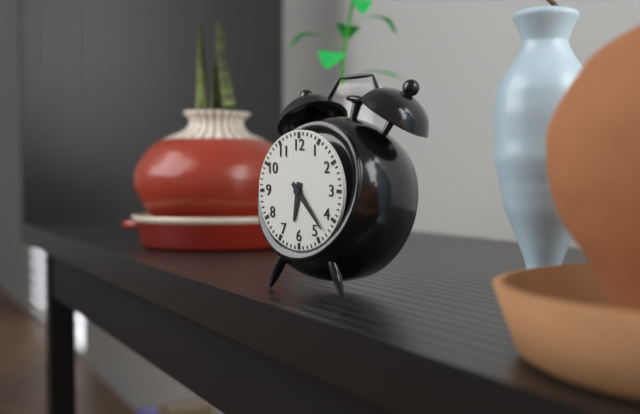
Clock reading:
6.23
